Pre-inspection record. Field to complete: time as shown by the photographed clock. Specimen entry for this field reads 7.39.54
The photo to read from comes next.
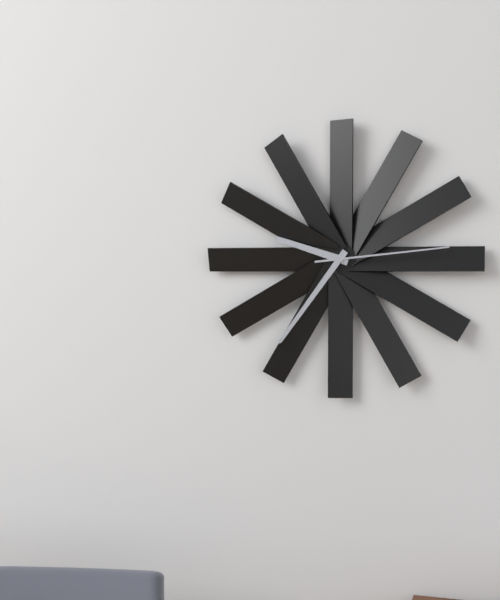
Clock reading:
9.36.14
